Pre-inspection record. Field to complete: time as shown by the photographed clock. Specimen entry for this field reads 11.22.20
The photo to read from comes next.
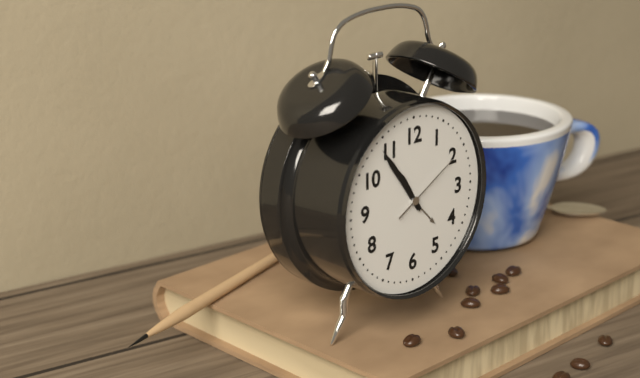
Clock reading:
10.54.10
